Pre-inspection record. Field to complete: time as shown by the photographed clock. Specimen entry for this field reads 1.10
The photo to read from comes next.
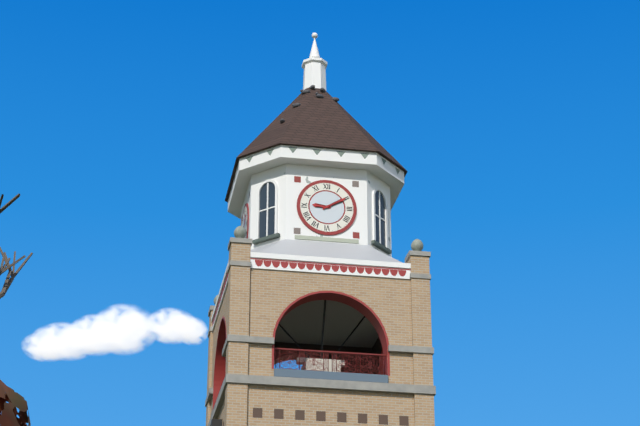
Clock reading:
9.10
